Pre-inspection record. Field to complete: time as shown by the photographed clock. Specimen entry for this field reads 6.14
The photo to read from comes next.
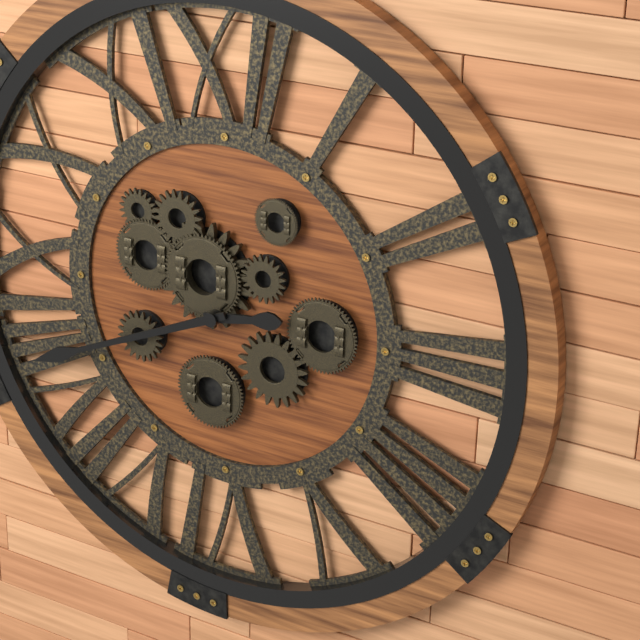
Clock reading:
2.41
